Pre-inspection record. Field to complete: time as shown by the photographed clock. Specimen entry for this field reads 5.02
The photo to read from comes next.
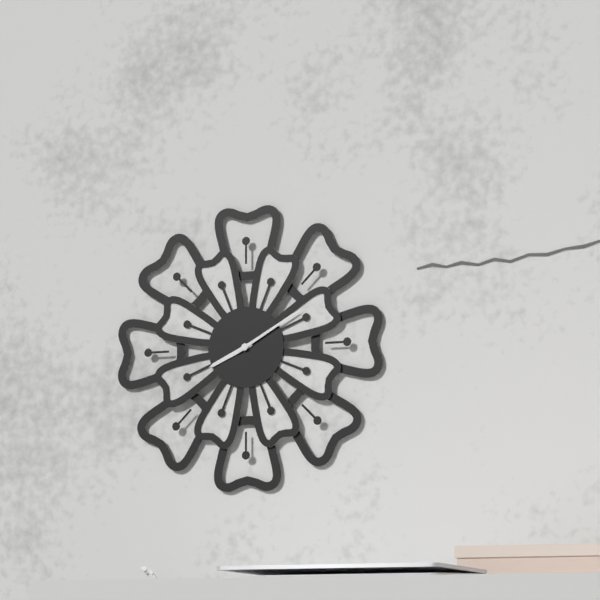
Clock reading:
8.10
